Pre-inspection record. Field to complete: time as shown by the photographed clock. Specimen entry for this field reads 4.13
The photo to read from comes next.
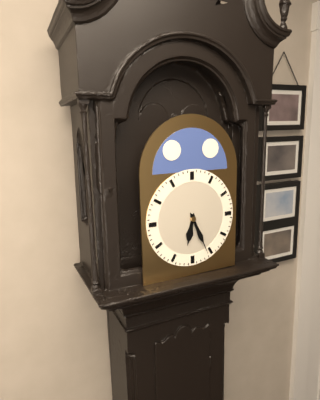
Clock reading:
6.26
